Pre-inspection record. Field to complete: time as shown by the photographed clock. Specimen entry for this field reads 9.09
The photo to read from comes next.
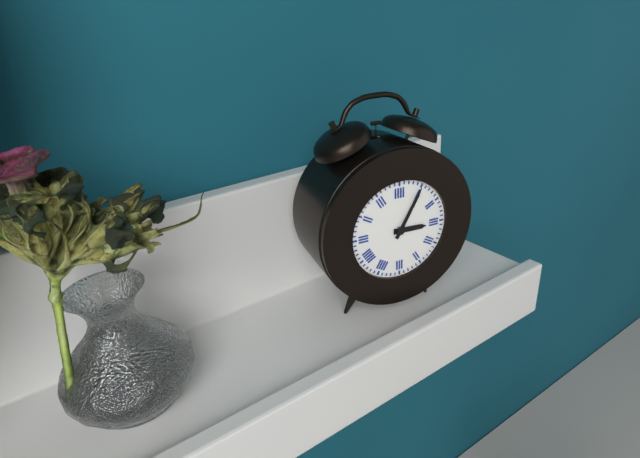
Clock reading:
3.05
